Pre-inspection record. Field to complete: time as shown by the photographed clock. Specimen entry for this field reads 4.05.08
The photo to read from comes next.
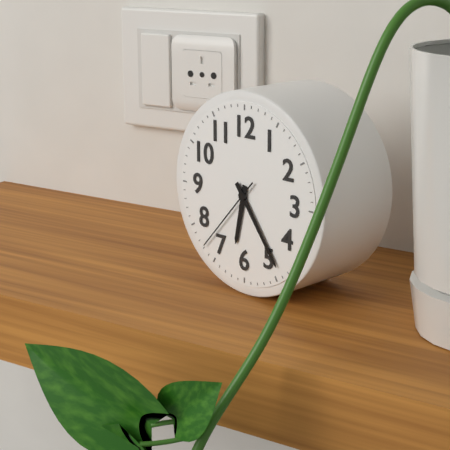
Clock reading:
6.24.37
